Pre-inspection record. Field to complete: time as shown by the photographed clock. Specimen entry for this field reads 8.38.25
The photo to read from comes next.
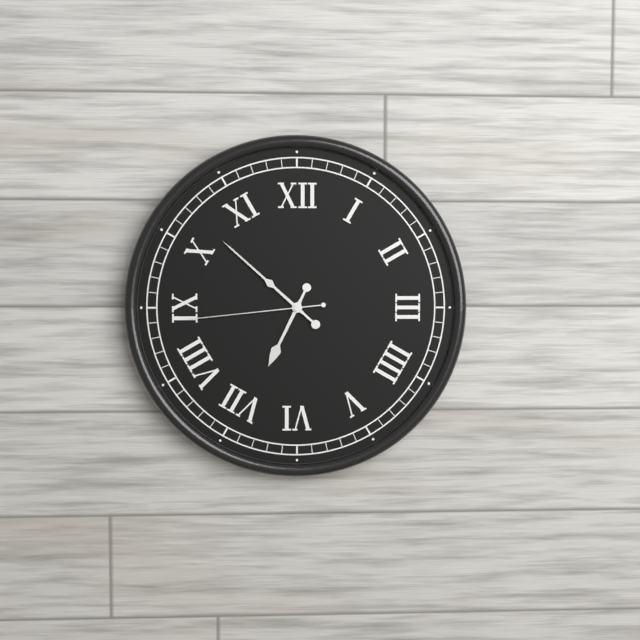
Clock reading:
6.52.44
